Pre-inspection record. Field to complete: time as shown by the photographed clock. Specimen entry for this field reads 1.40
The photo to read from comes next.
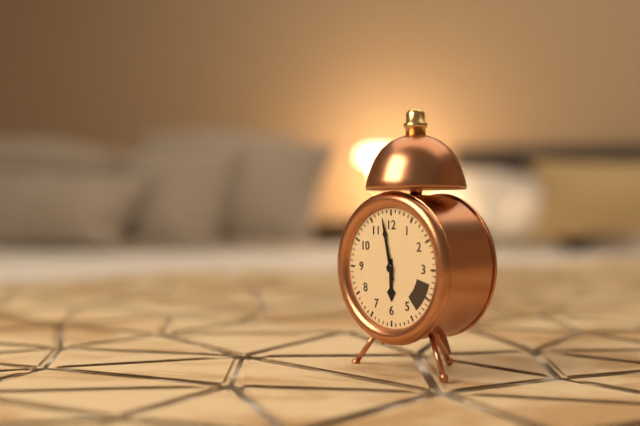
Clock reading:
5.58
